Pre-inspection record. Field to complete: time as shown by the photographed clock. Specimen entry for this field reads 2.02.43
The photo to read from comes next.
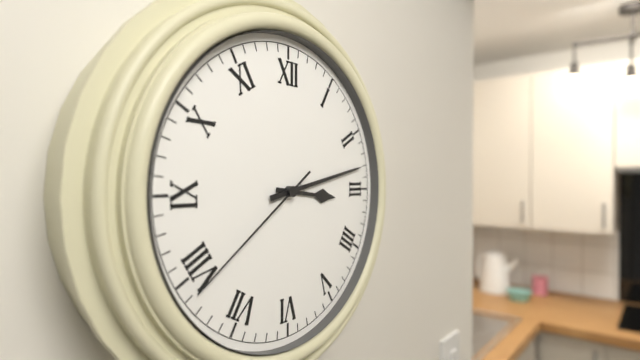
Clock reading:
3.13.39
